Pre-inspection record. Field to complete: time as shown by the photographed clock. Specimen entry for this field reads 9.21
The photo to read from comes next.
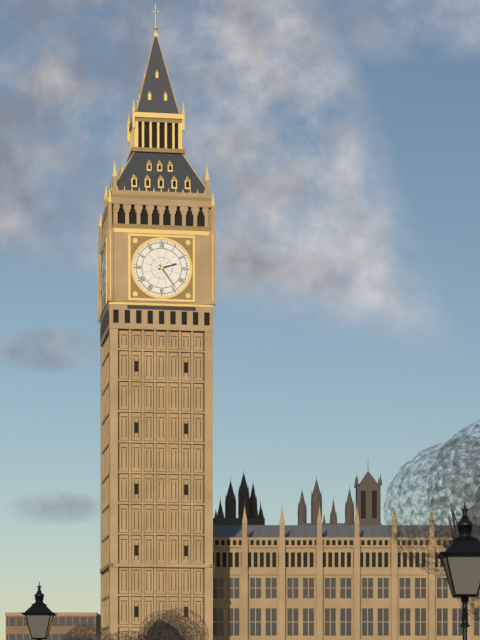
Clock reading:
2.24
